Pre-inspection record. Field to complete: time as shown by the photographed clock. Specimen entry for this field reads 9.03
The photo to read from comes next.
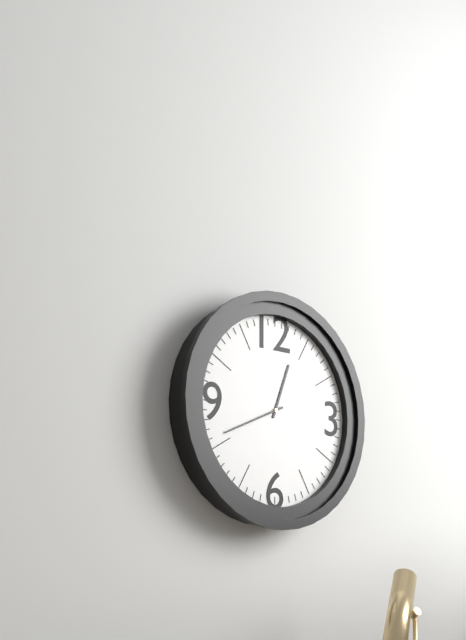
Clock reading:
12.41
